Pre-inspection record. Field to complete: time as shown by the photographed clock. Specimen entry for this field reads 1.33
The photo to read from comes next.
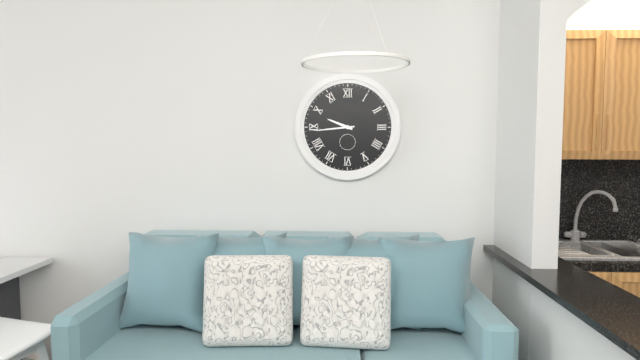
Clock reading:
9.44
